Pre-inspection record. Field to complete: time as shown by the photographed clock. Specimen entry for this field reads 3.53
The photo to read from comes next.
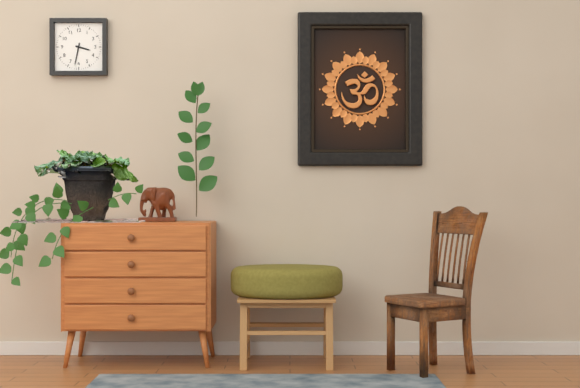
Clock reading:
3.32
